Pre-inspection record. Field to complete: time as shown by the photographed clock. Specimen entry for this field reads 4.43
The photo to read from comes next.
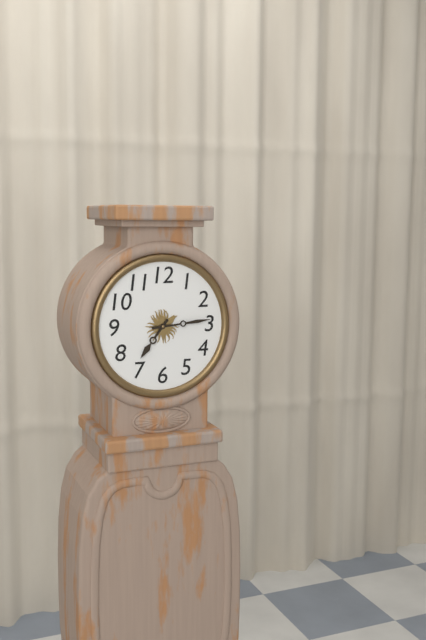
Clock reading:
7.14
